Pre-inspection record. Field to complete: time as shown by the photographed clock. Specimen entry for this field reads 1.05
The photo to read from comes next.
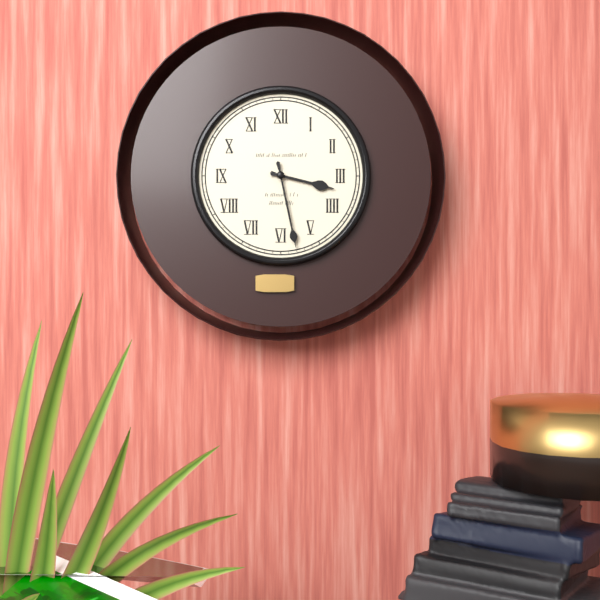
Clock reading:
3.28
